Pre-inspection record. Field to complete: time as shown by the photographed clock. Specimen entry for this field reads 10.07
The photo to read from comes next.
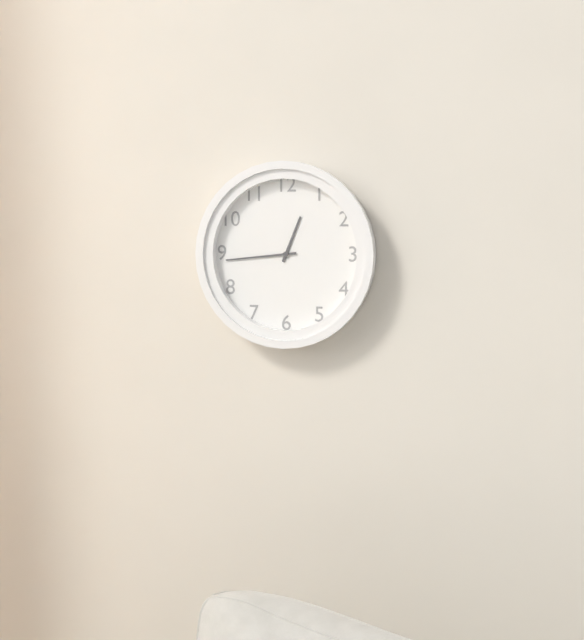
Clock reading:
12.44
